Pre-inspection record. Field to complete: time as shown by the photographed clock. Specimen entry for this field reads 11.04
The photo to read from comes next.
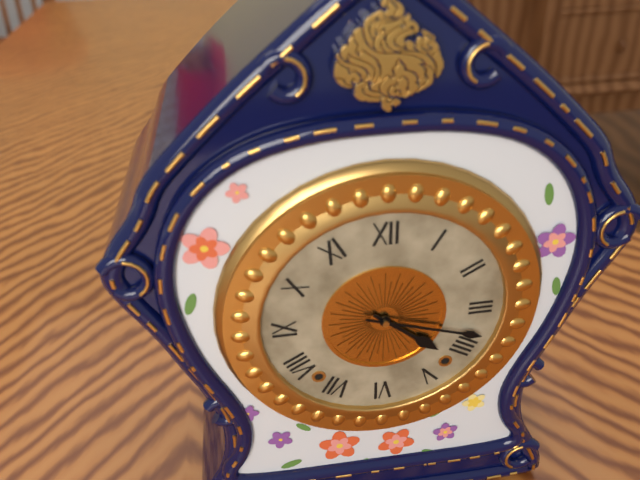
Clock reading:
4.18
